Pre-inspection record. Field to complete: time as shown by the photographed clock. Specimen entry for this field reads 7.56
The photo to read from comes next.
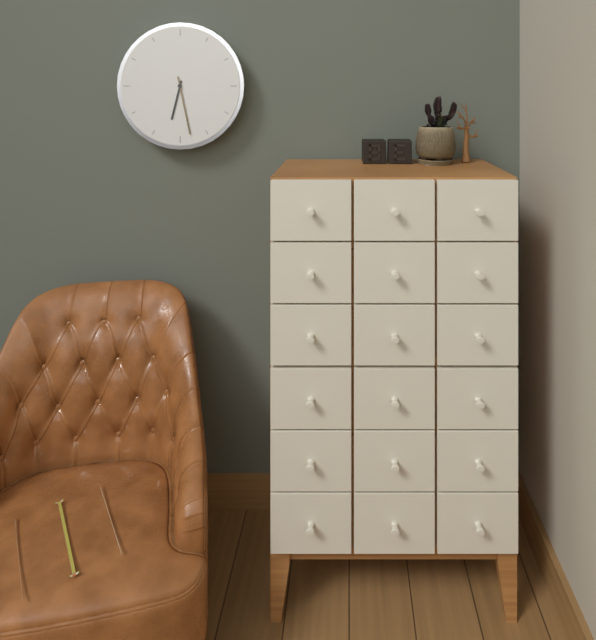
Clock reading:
6.28
